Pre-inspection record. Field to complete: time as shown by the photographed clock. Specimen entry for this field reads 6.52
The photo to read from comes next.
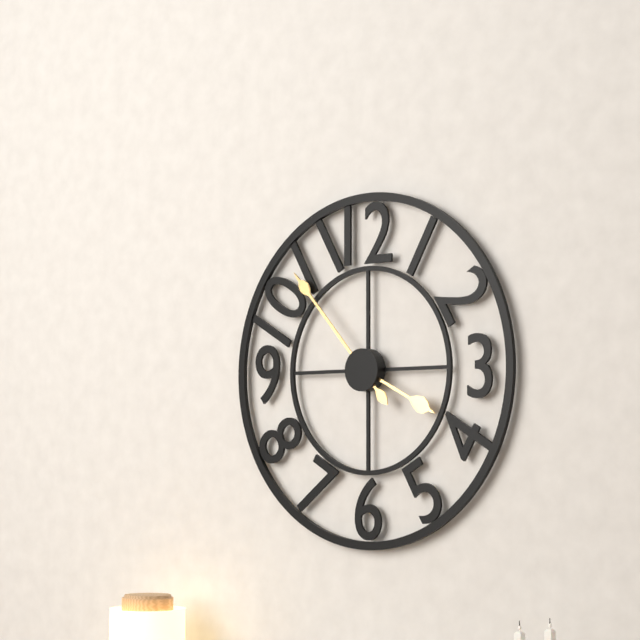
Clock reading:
3.53
